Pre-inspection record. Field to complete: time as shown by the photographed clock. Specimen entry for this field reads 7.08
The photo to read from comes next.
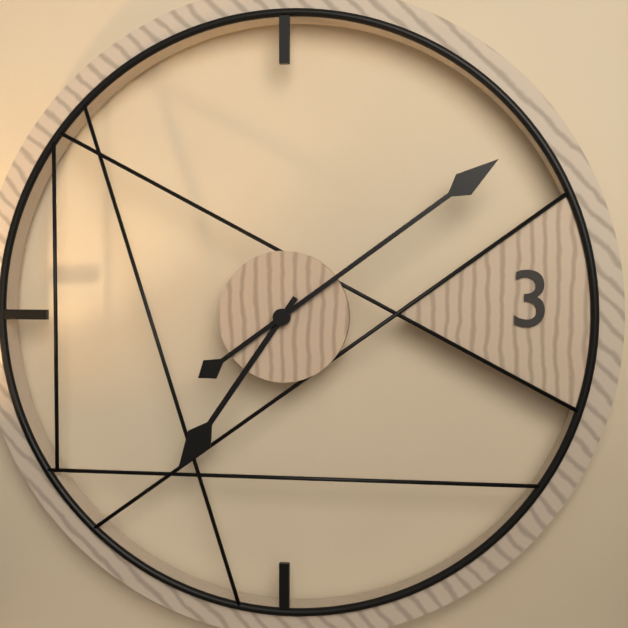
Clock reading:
7.09
